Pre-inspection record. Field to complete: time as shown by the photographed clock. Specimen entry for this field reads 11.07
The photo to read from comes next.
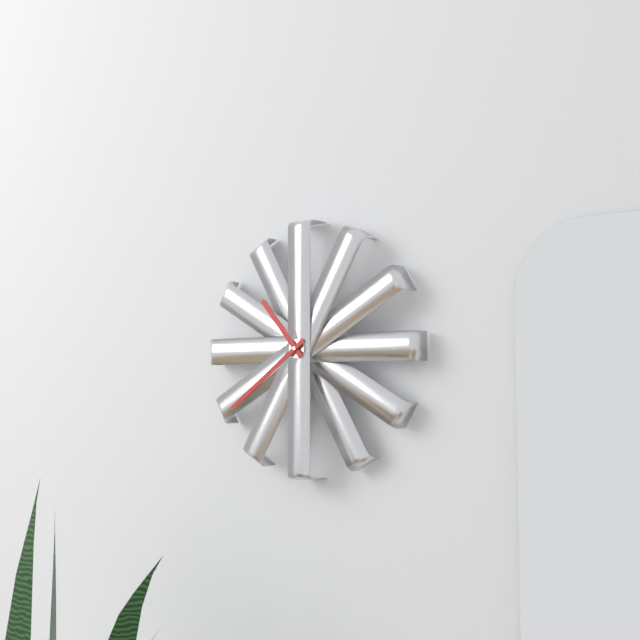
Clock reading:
10.39
